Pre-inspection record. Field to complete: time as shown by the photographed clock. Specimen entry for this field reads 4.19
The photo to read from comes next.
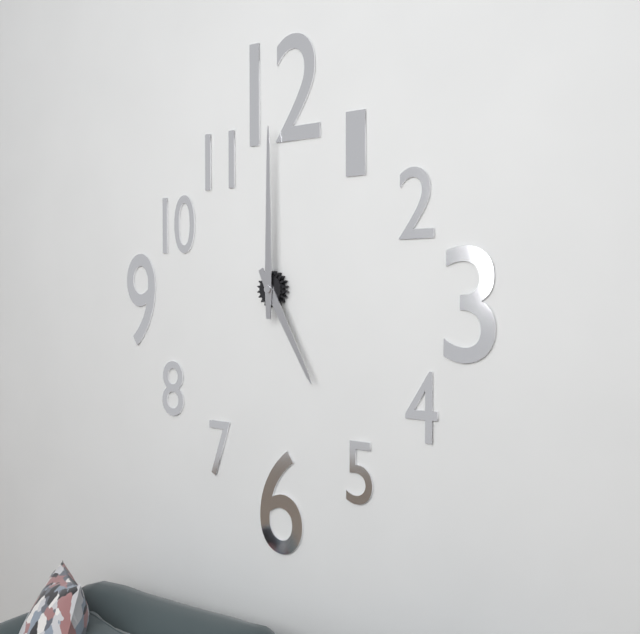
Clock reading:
5.00
